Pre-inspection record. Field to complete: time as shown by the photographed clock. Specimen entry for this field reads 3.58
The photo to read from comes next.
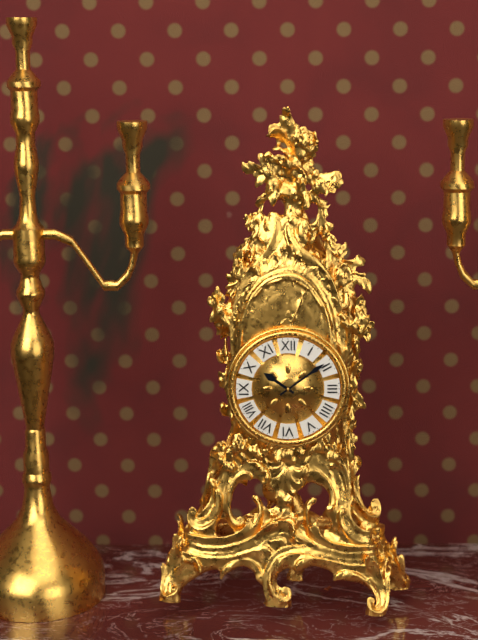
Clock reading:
10.09
